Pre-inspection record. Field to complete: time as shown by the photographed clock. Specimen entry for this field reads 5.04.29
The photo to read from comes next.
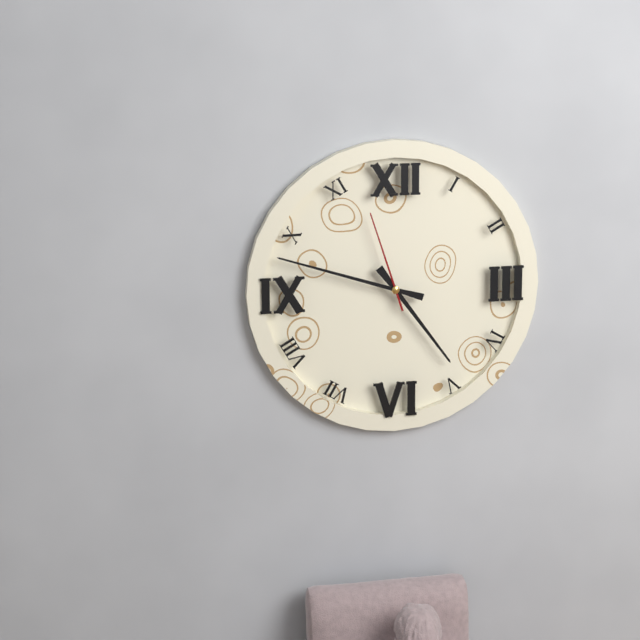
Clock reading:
4.48.57
